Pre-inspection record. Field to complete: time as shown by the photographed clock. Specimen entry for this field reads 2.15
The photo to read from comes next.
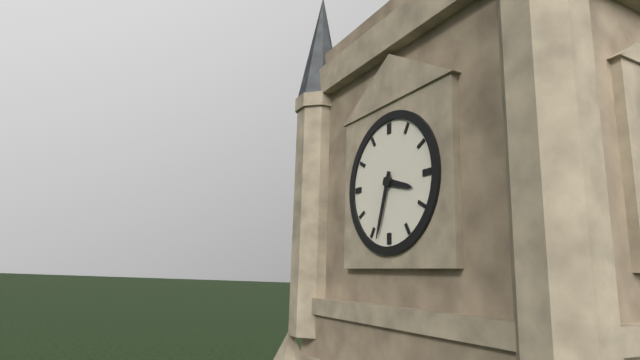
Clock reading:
3.33
